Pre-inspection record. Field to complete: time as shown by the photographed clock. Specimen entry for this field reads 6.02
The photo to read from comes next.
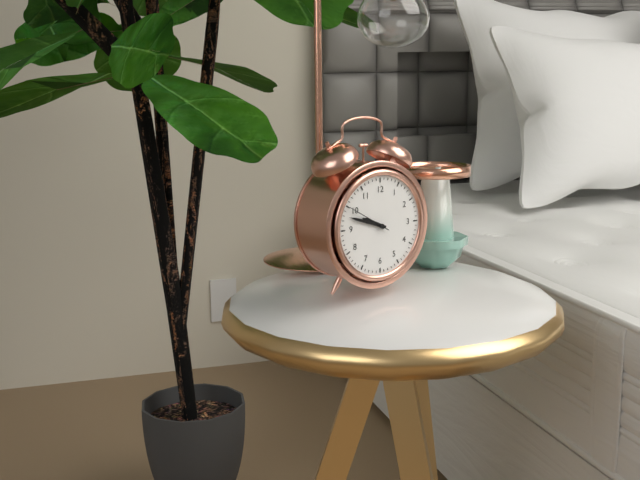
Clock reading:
9.48
